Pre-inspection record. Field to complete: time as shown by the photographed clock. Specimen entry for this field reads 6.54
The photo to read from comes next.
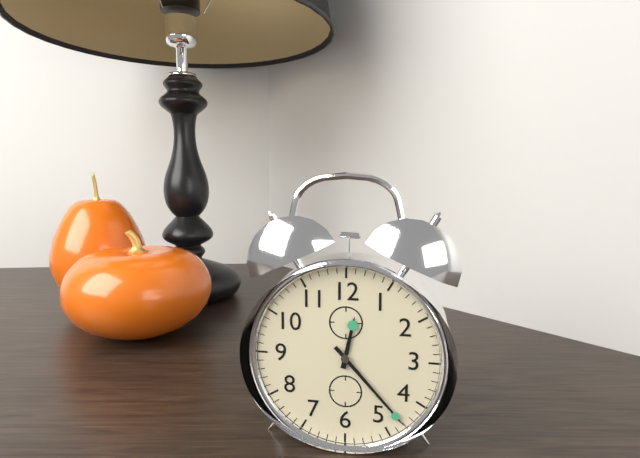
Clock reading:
12.23
